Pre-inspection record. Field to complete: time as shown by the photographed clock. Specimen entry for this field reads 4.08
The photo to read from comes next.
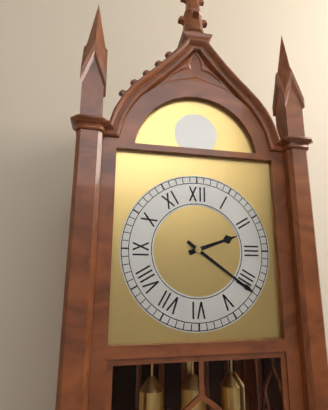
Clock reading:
2.21
